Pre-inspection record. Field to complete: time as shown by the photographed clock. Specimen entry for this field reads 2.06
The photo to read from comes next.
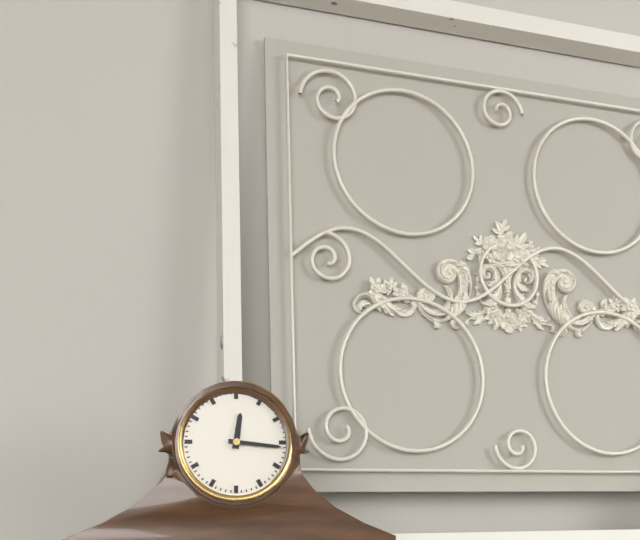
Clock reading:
12.16
